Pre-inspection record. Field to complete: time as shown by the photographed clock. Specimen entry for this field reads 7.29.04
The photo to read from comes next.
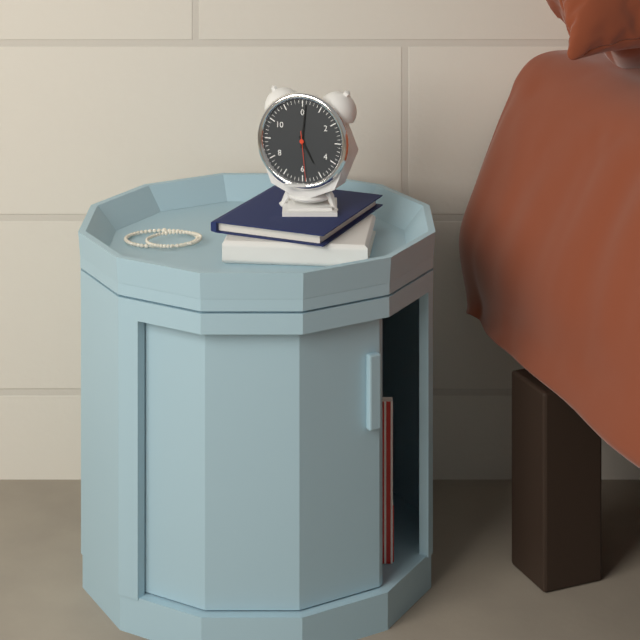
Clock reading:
5.01.29
